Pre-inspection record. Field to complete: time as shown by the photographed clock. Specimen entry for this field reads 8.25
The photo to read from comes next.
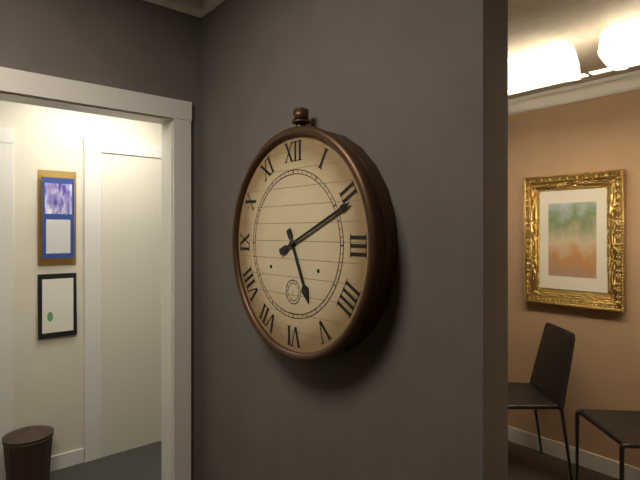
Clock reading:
5.11
